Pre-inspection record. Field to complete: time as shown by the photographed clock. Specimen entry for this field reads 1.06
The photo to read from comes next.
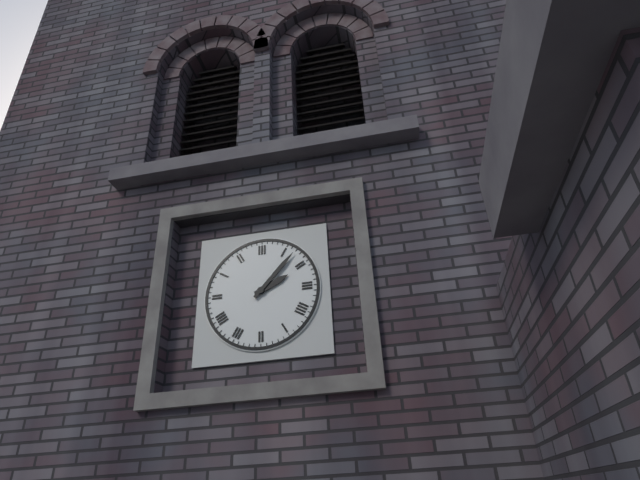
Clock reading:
2.07
